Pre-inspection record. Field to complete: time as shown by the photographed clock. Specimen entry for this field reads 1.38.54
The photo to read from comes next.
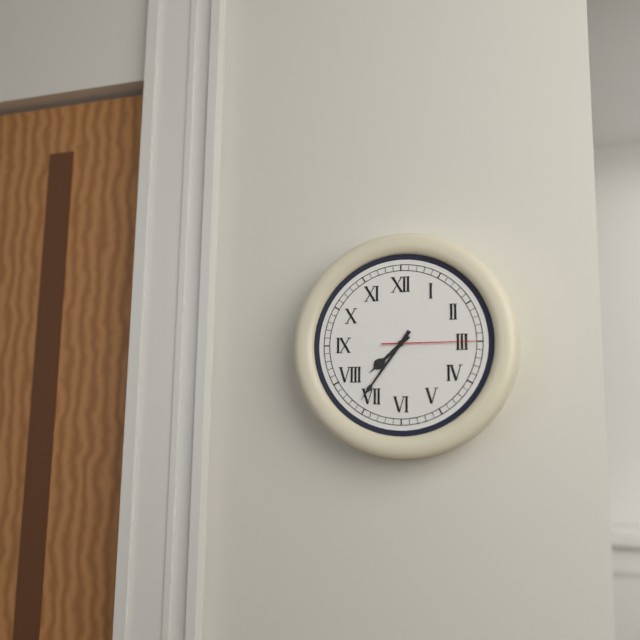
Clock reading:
7.36.15
